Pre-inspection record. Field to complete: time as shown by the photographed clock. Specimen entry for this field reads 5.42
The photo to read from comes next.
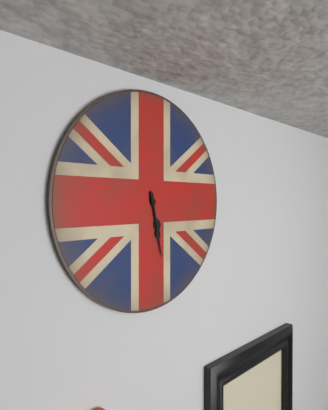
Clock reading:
5.28
